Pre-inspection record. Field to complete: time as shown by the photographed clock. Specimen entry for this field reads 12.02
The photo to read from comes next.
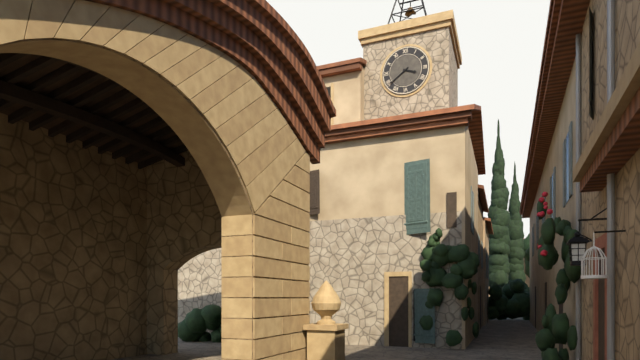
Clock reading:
3.39
